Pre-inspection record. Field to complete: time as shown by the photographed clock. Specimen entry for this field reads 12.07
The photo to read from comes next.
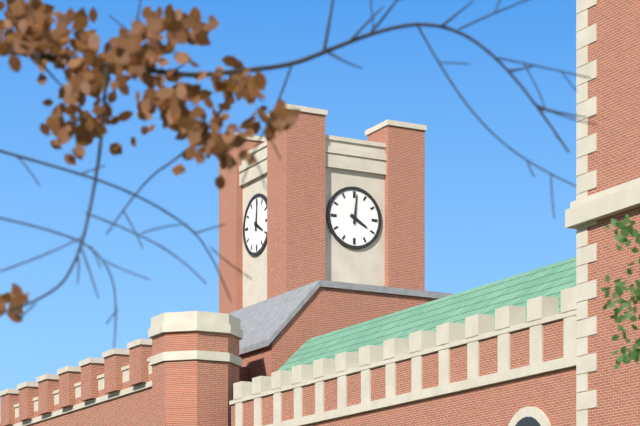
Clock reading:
4.01
